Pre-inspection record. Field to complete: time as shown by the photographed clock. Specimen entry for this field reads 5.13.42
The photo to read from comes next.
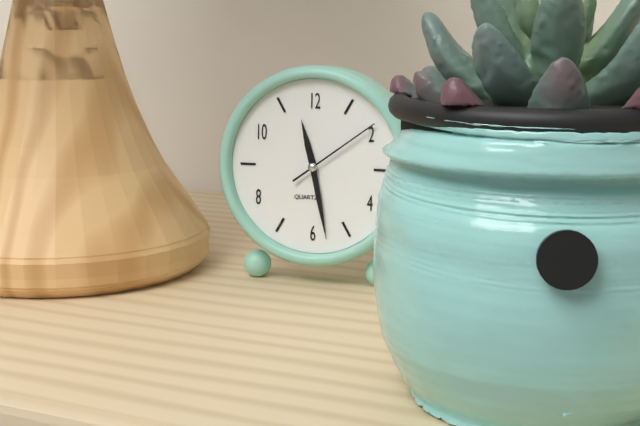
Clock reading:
11.28.09
